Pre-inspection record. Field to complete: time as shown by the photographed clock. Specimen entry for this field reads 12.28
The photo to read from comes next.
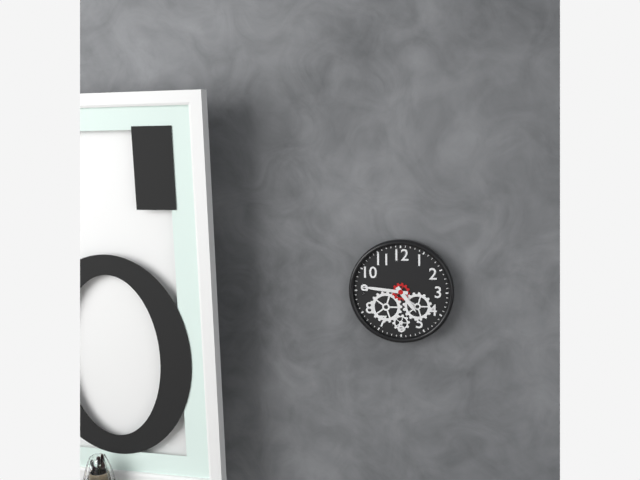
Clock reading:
4.46
